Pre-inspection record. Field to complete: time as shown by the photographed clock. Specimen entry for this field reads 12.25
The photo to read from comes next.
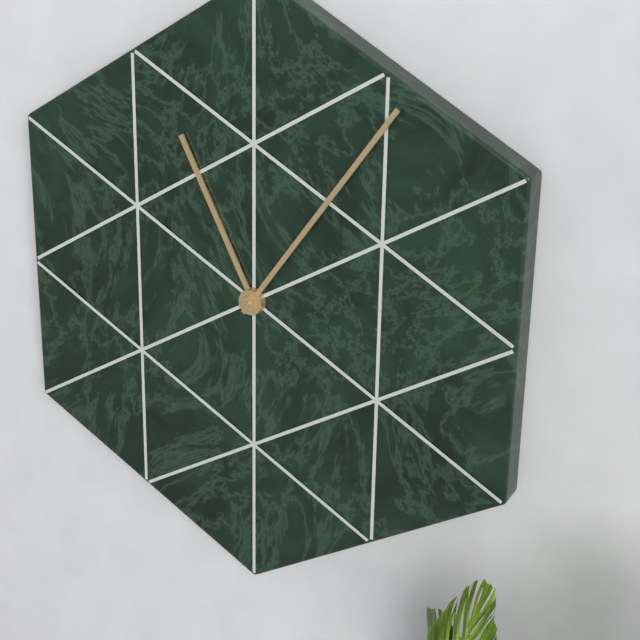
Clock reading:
11.06
